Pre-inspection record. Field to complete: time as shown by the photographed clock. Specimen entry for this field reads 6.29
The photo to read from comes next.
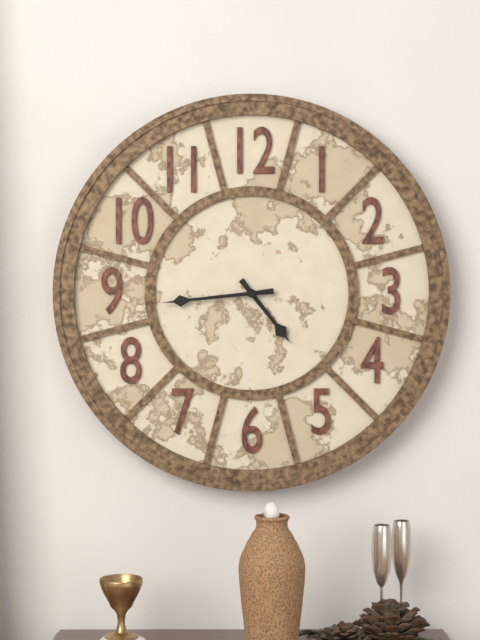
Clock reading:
4.44
